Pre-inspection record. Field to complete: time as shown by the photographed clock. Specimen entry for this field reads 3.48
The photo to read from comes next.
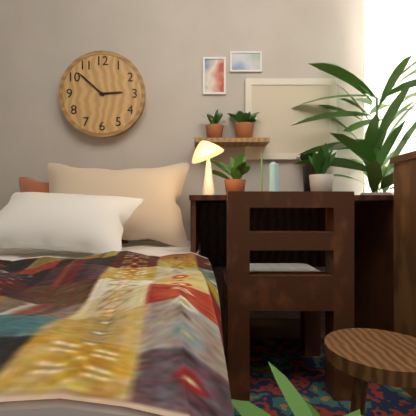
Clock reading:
2.52
